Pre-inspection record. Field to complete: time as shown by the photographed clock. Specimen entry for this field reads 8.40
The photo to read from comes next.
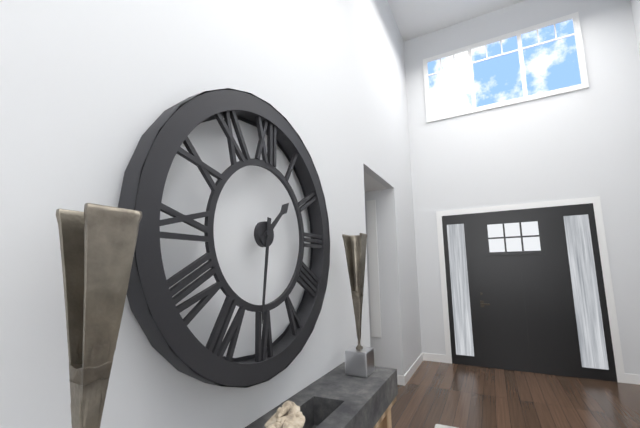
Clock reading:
1.31
